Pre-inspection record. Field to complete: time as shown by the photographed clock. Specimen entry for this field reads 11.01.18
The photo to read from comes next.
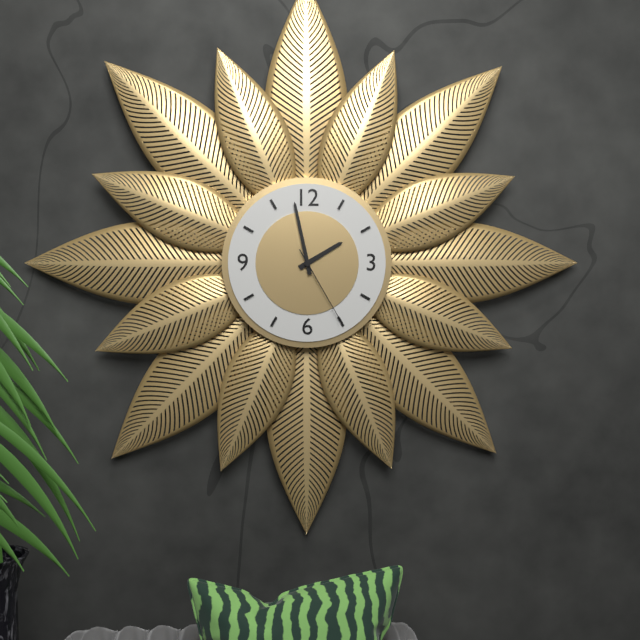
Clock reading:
1.58.25
